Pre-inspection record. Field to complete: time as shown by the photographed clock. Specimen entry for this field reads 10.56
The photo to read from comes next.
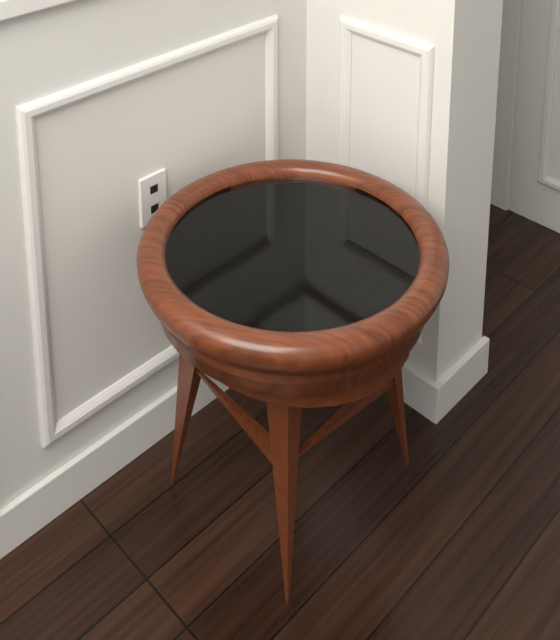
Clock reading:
9.46
